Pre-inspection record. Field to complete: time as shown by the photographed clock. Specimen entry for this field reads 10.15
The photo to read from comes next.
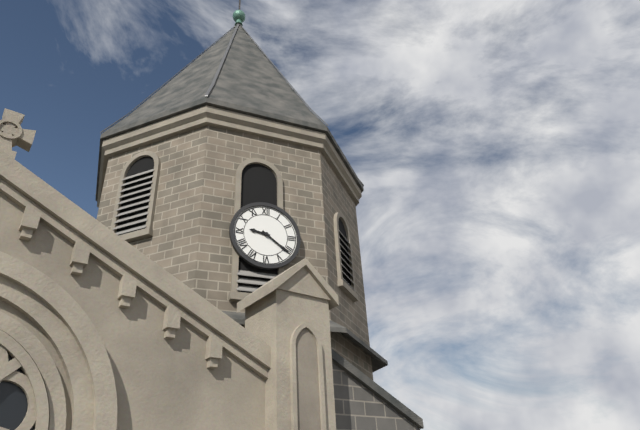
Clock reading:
9.21
